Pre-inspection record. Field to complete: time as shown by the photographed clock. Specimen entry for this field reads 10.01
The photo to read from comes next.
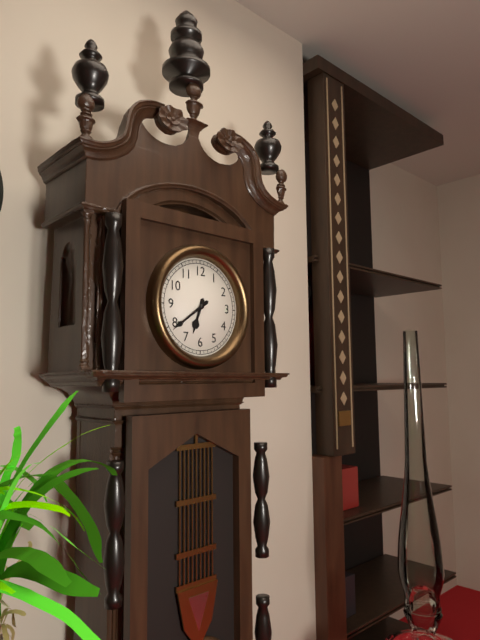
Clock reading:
6.39
